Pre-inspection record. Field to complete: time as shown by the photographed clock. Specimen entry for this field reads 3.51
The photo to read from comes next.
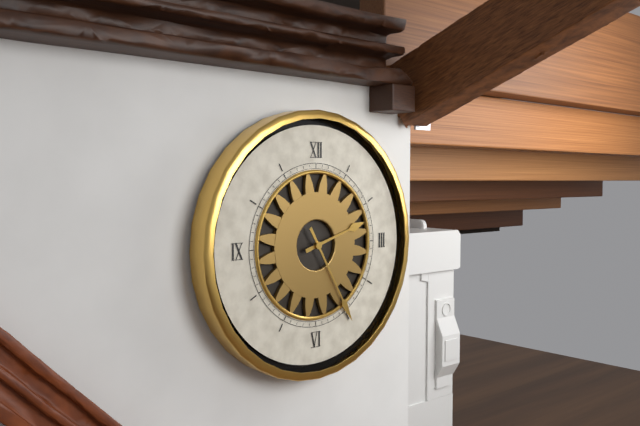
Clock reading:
2.25
